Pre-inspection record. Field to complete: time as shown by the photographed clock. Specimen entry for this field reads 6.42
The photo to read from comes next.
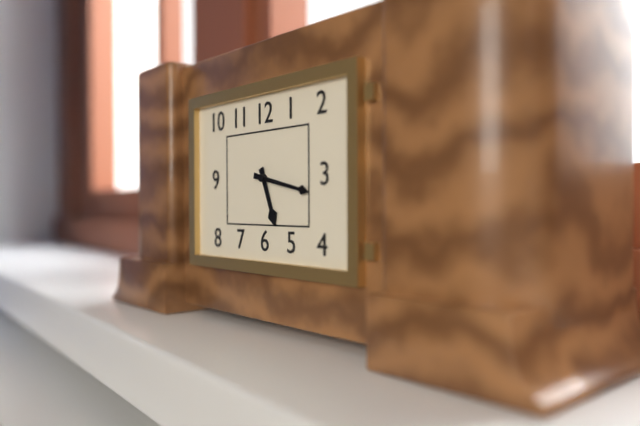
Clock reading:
5.17
